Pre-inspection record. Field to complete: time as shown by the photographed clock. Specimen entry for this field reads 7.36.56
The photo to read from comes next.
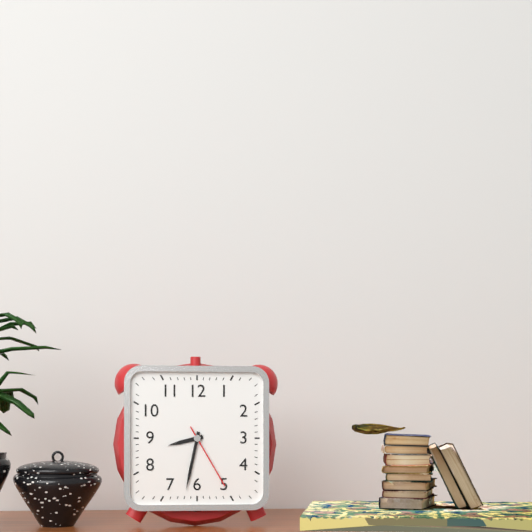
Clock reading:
8.32.25
